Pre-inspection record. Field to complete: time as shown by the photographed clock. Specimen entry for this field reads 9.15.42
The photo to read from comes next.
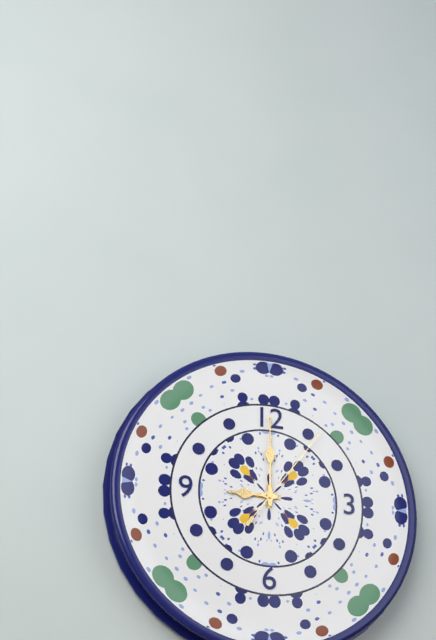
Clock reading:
9.00.06
